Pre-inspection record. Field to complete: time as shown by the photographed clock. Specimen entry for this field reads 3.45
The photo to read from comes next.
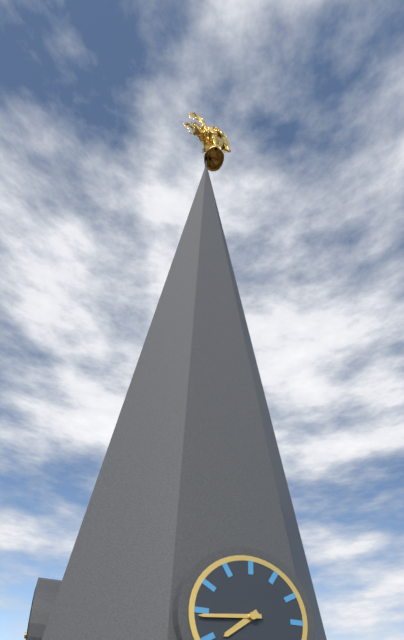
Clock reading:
7.44
